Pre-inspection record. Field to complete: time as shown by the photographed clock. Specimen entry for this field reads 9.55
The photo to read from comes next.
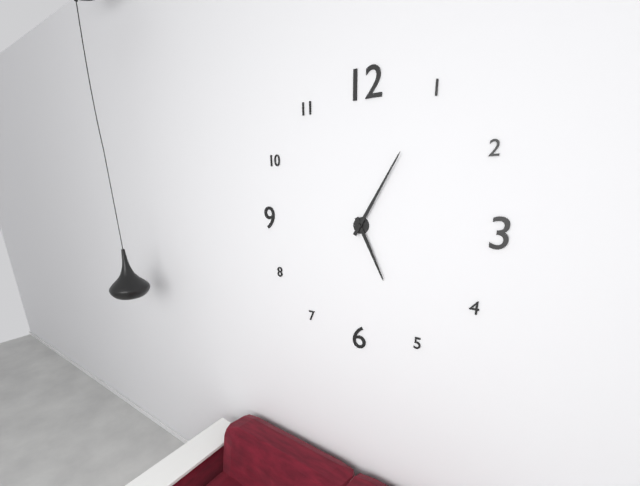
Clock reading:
5.05
